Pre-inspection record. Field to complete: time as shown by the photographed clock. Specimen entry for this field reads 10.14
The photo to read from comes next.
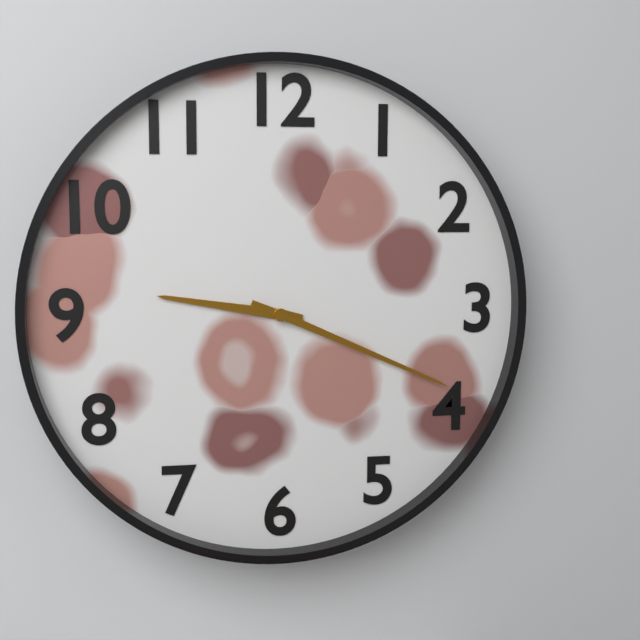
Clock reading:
9.19
